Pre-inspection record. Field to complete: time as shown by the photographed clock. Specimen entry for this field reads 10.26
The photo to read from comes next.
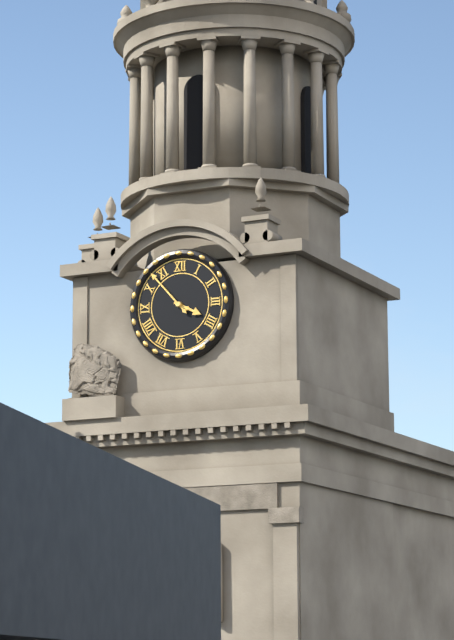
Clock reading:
3.53
